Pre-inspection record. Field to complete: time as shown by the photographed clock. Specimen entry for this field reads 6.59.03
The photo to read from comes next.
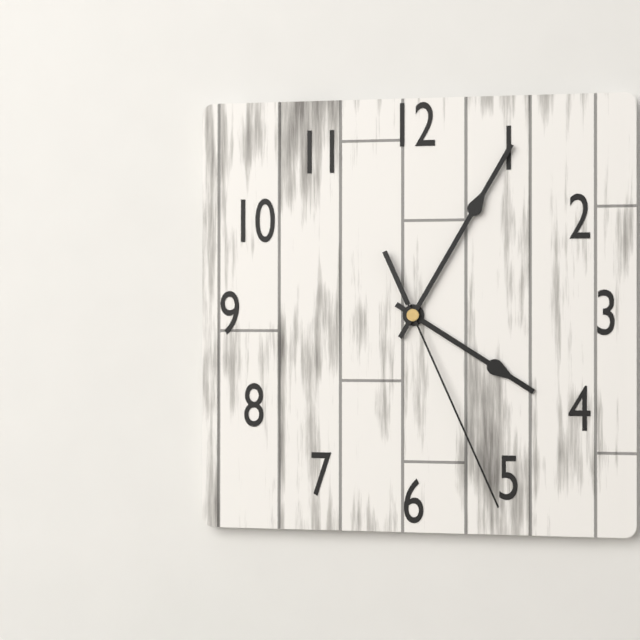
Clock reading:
4.05.26
